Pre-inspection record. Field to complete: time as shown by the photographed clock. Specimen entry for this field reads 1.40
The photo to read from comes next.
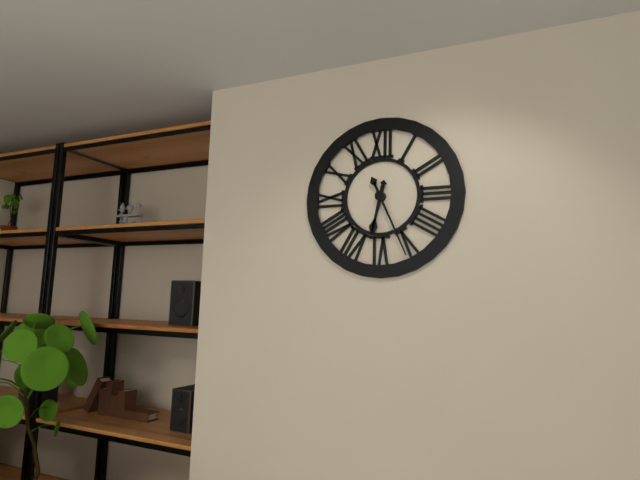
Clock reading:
6.26
